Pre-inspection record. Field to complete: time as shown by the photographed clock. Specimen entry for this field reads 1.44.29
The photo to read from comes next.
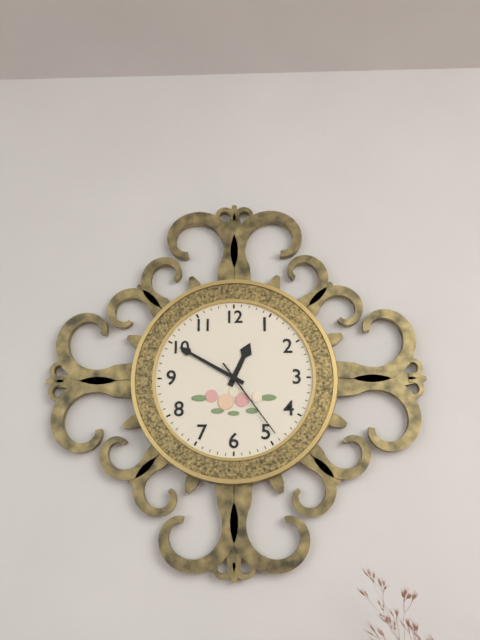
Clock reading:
12.50.24
